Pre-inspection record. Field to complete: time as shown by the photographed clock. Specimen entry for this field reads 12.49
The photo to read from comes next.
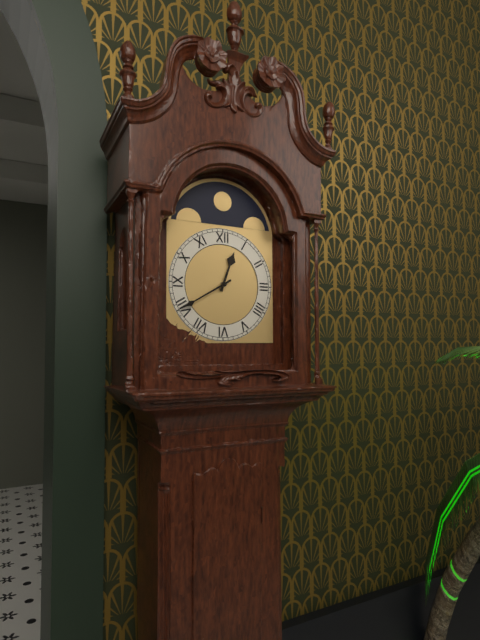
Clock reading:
12.40
